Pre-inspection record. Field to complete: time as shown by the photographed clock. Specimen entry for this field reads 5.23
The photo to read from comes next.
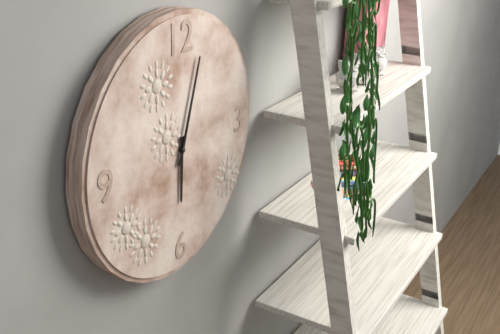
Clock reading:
6.03
